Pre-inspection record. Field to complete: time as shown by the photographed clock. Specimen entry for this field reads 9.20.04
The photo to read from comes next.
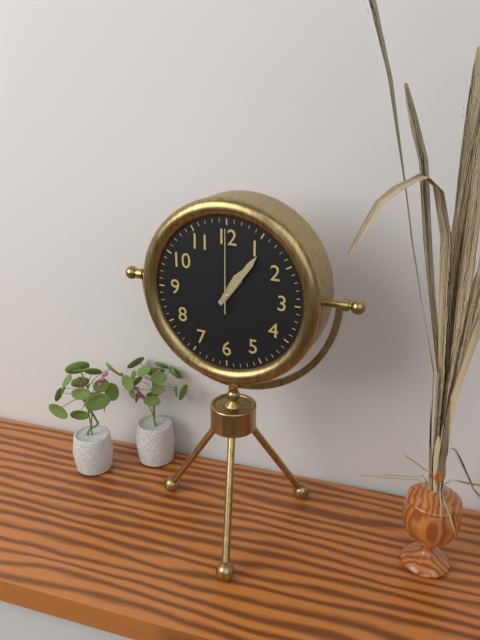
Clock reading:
1.06.00
